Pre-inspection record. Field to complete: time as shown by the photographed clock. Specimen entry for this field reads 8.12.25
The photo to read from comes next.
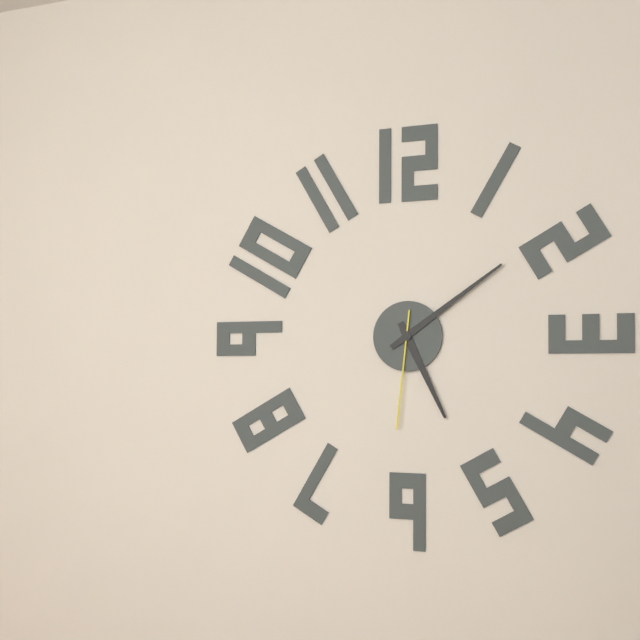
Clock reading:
5.09.31
